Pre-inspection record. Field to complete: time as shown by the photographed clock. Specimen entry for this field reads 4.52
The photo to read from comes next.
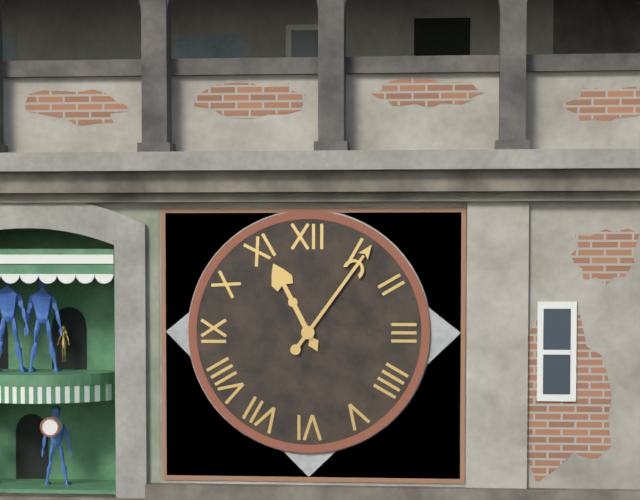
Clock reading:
11.06
